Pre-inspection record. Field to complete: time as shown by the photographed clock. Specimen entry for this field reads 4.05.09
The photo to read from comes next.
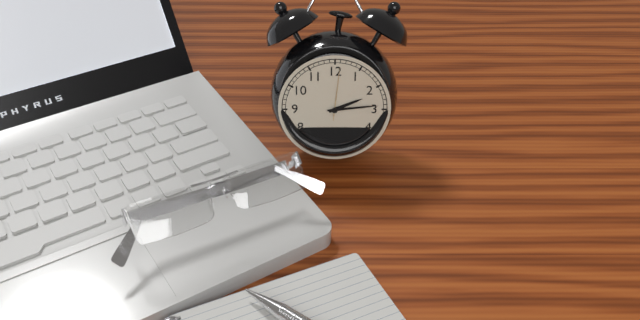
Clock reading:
2.14.01
